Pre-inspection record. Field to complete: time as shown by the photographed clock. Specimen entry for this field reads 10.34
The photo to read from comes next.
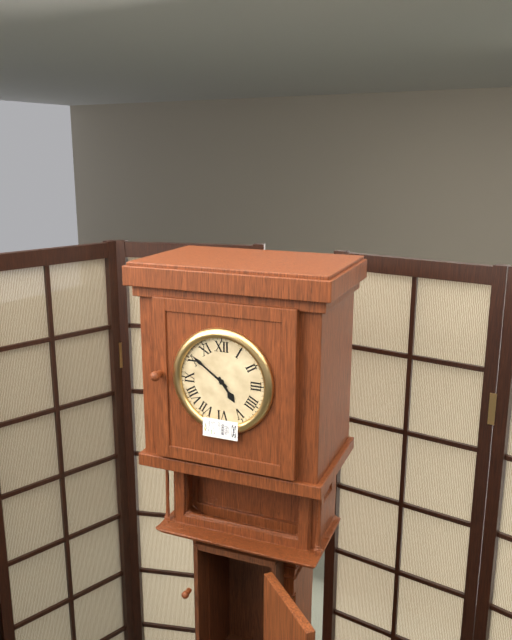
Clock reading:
4.51
